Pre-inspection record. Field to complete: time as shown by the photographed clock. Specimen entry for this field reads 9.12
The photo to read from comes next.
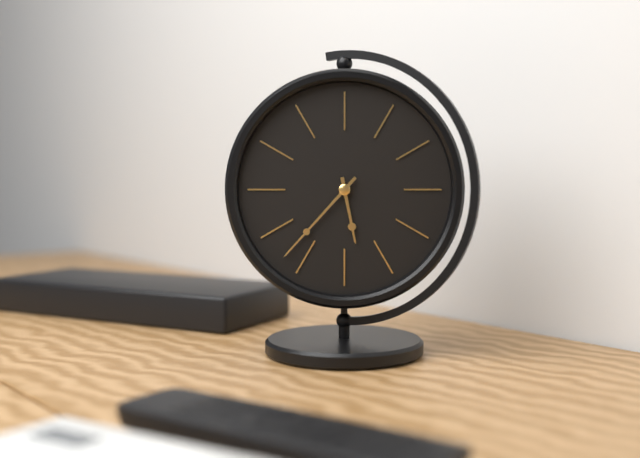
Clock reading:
5.37
